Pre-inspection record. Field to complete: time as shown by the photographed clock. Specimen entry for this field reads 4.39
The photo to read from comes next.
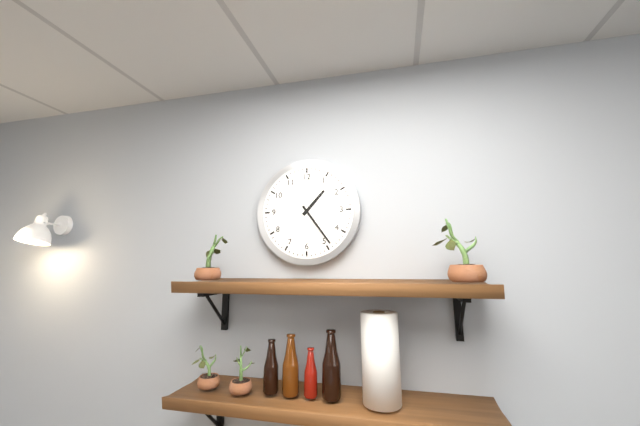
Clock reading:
1.24
